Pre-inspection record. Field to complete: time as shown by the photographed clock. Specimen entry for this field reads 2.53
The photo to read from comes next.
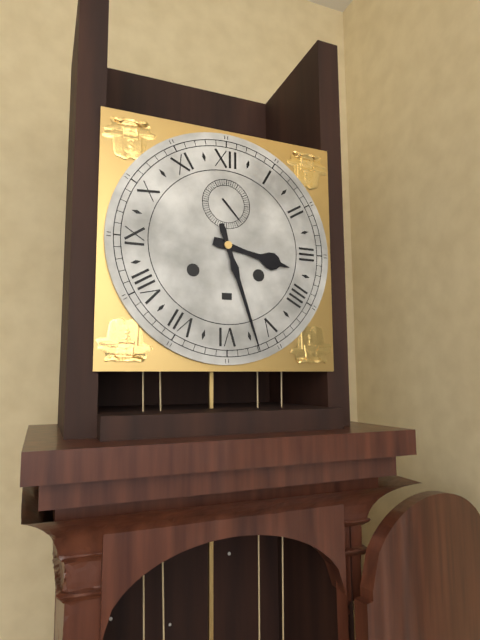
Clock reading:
3.27
